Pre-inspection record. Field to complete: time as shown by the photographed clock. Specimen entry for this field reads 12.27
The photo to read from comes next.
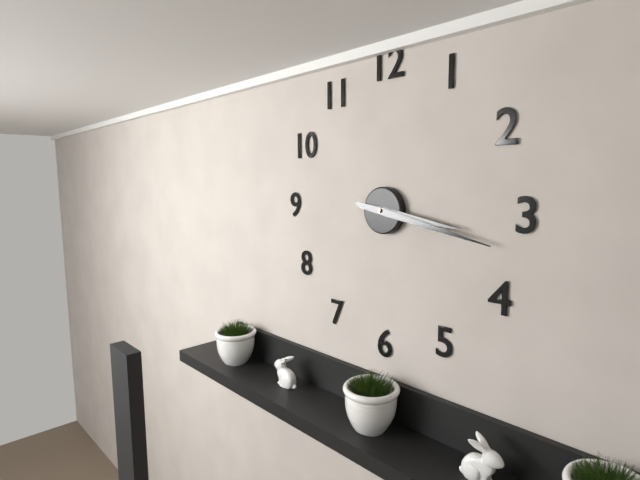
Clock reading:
3.17
